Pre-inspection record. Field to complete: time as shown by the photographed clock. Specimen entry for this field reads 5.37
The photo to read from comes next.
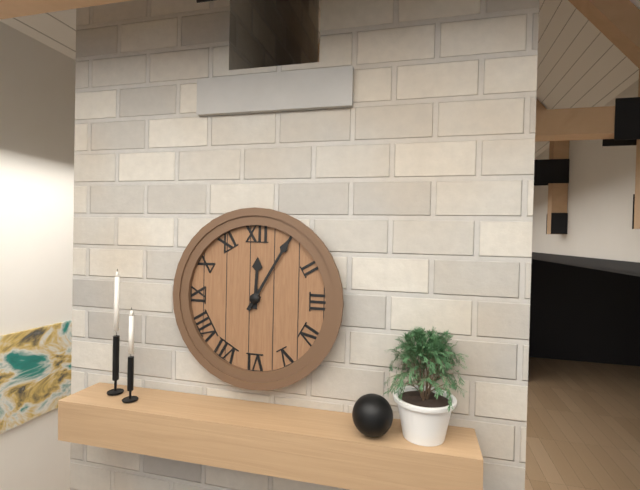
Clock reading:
12.05
